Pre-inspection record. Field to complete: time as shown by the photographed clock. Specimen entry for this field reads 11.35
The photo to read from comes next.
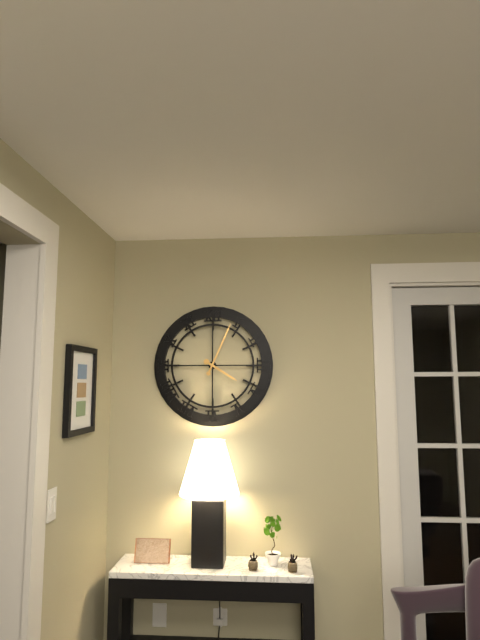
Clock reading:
4.04
